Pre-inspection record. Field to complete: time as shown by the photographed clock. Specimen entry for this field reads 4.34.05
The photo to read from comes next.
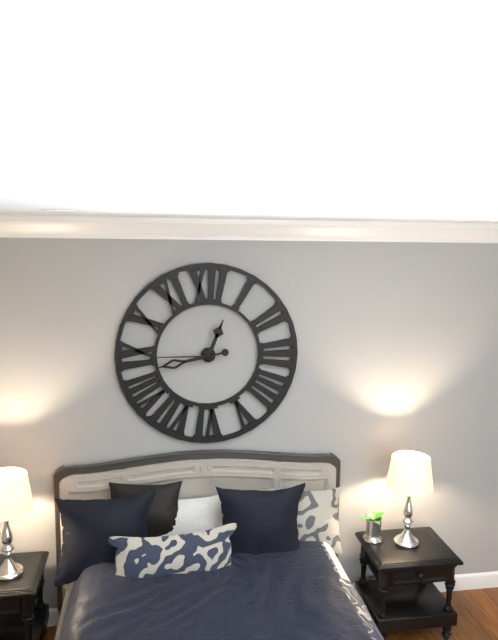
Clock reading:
12.43.45
